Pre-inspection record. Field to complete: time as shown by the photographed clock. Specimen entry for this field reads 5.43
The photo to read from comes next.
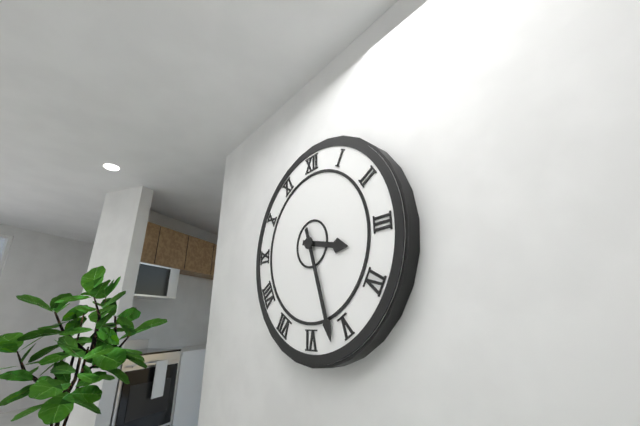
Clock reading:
3.27
